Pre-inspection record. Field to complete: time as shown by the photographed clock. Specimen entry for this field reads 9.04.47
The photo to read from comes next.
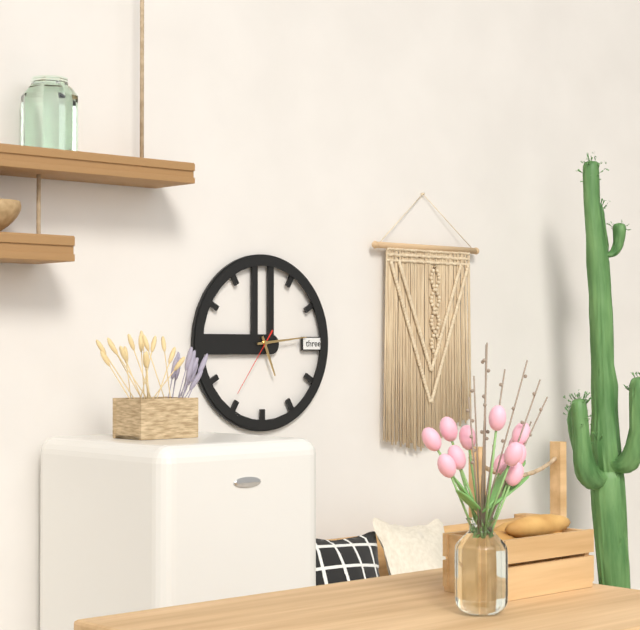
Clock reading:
5.14.36
